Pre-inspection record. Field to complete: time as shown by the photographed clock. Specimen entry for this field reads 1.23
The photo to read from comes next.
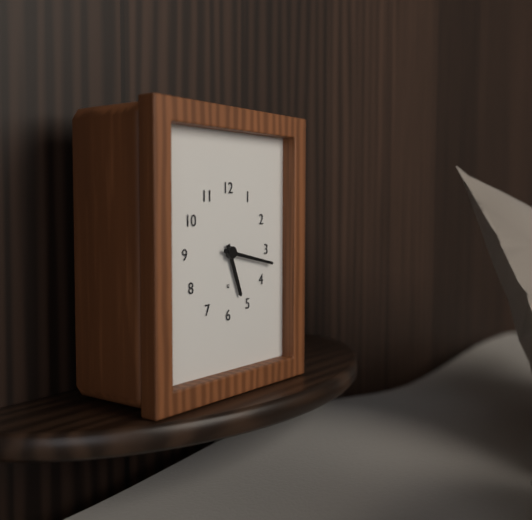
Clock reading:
5.17
